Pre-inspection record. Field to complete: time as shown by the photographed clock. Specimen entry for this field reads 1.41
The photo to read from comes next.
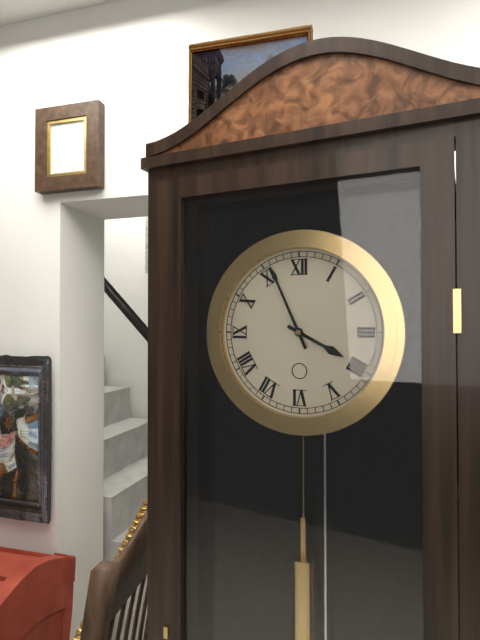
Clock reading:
3.56
